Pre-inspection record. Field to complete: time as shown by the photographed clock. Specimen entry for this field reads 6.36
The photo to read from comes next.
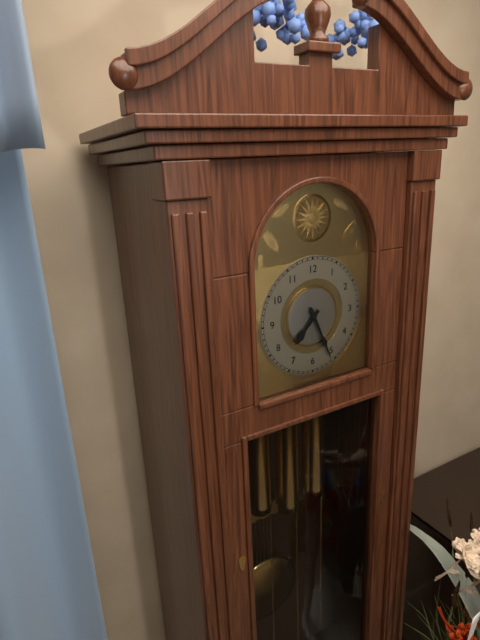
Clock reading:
7.26
